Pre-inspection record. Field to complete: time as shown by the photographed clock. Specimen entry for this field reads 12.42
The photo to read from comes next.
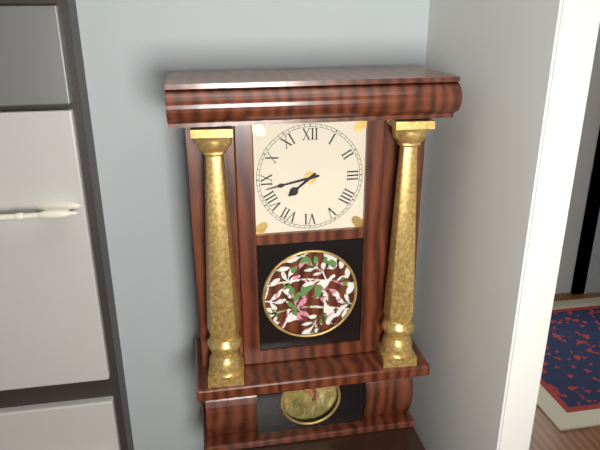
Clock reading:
7.43
